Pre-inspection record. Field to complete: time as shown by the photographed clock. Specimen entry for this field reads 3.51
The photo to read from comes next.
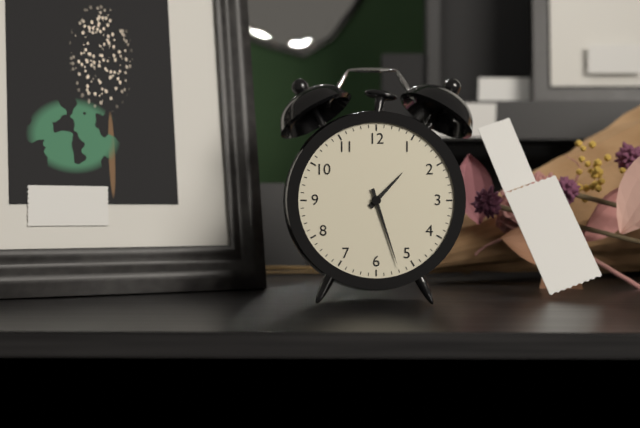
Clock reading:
1.27
